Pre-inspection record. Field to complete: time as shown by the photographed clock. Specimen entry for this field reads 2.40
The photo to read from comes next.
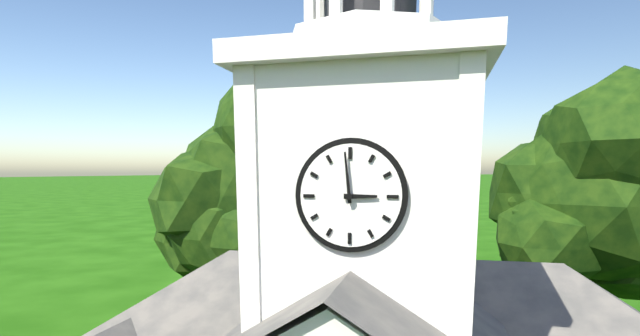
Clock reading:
2.59
